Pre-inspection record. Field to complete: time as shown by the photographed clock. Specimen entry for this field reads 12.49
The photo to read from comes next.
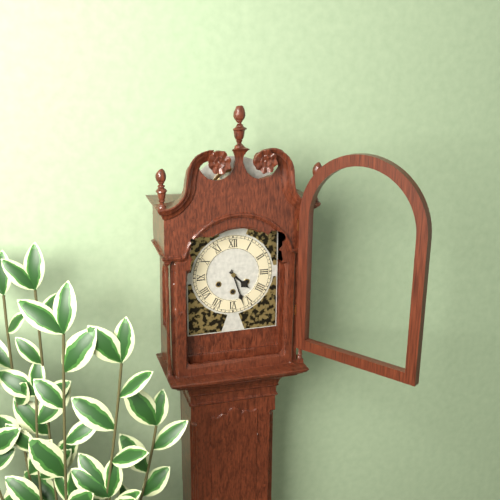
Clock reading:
4.27
